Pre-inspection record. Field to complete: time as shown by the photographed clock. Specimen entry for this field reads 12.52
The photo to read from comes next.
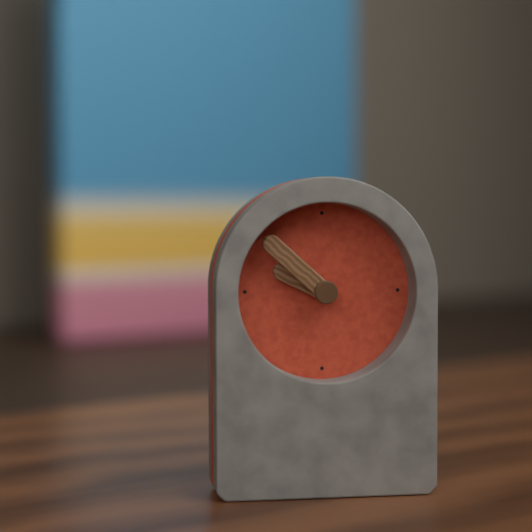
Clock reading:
9.52
